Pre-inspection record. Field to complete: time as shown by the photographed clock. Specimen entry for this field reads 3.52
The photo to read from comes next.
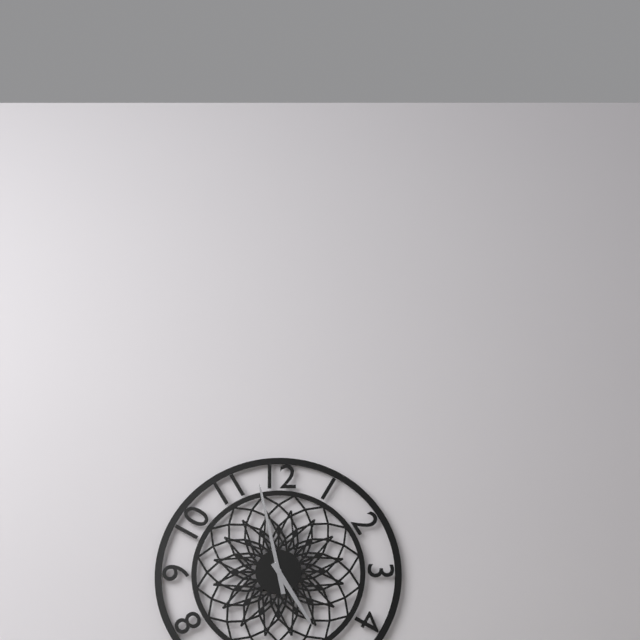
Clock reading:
4.58
